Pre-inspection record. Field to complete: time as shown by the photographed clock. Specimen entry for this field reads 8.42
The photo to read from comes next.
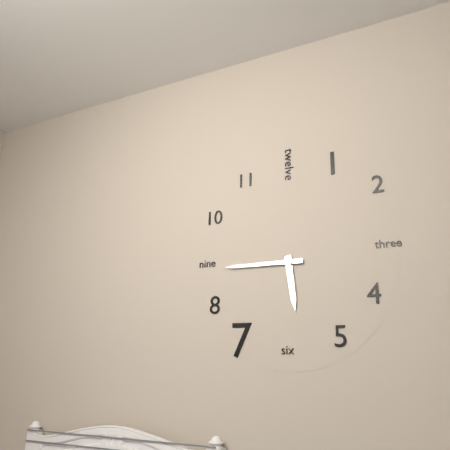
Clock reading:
5.45
